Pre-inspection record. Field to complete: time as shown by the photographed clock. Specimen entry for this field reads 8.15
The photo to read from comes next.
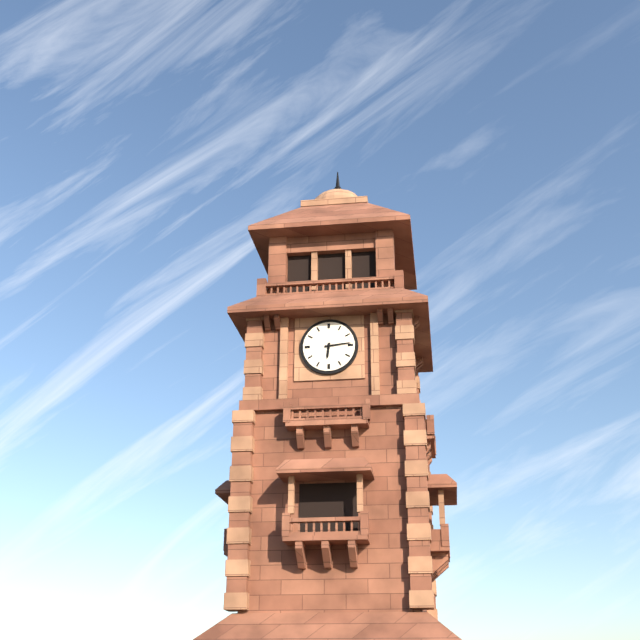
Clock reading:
6.14
